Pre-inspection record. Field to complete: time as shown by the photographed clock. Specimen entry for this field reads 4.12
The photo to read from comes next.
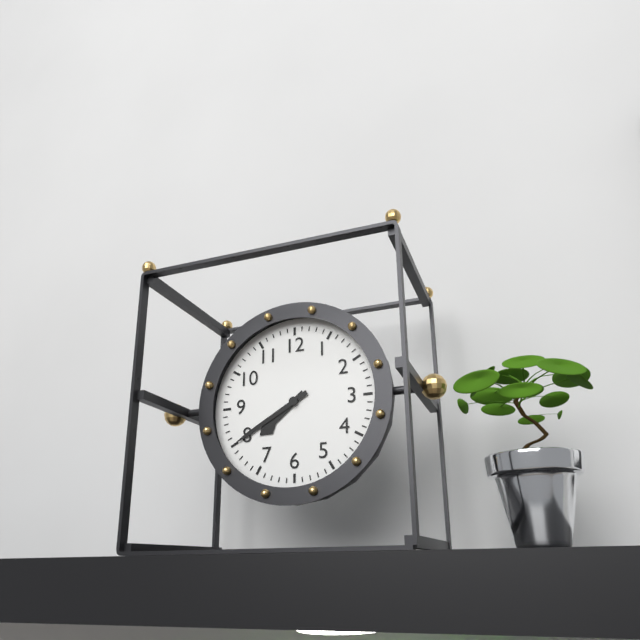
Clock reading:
7.40
